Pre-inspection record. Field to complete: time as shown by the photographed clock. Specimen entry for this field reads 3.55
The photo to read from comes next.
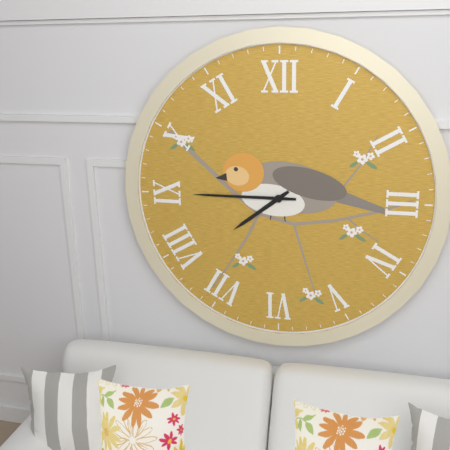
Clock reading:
7.45
